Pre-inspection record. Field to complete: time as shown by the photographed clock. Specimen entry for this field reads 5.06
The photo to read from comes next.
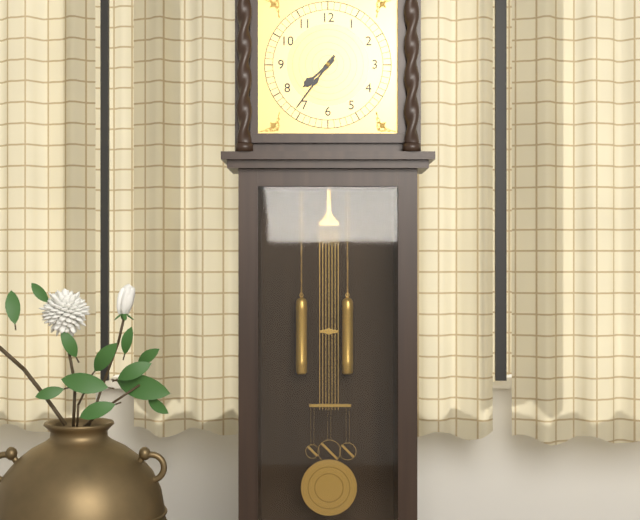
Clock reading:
7.36
